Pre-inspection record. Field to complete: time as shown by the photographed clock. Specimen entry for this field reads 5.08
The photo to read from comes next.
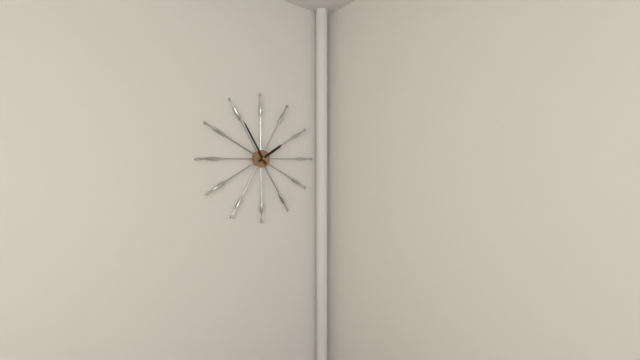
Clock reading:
1.55
